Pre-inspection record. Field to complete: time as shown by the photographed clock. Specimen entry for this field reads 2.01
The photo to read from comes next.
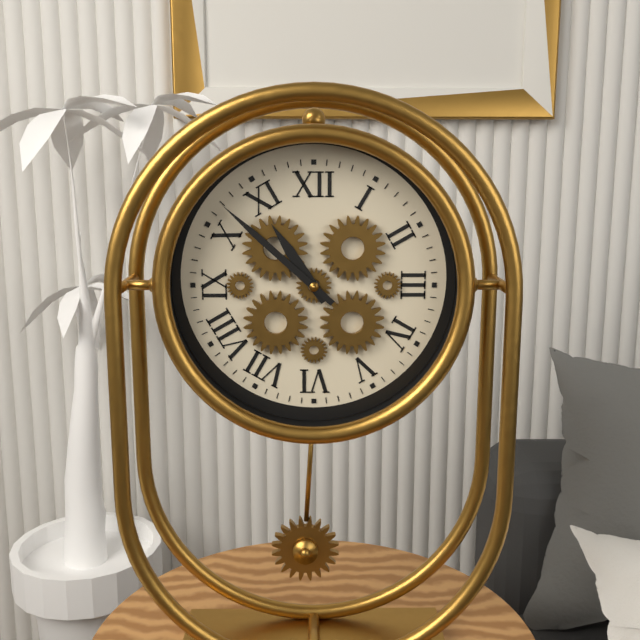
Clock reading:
10.52
